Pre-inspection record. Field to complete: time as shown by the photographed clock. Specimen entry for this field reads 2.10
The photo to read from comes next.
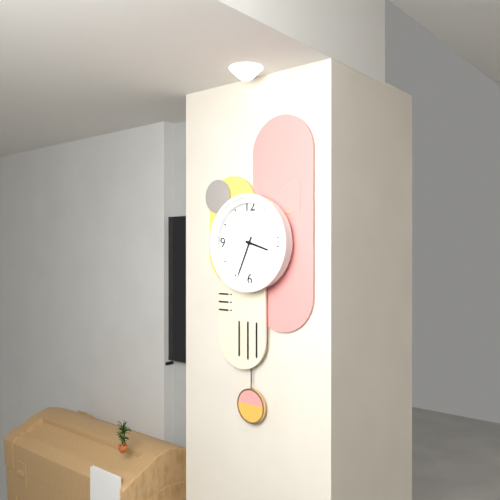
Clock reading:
3.34
